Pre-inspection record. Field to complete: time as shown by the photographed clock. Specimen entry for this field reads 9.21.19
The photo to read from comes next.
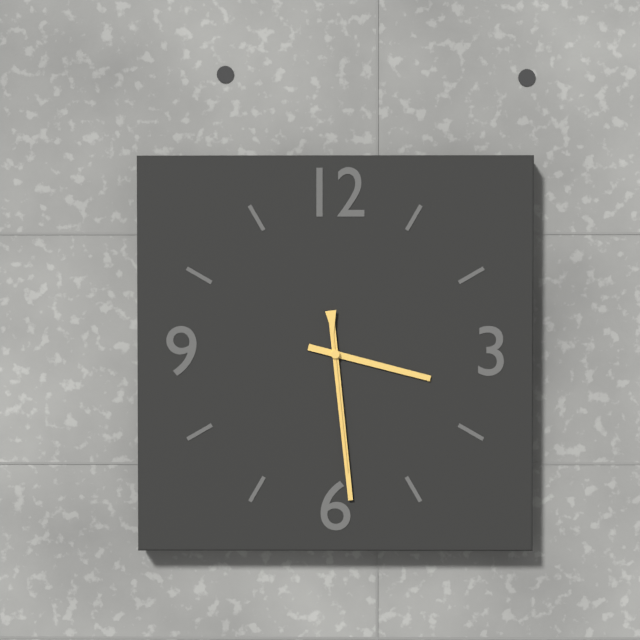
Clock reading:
3.29.29
